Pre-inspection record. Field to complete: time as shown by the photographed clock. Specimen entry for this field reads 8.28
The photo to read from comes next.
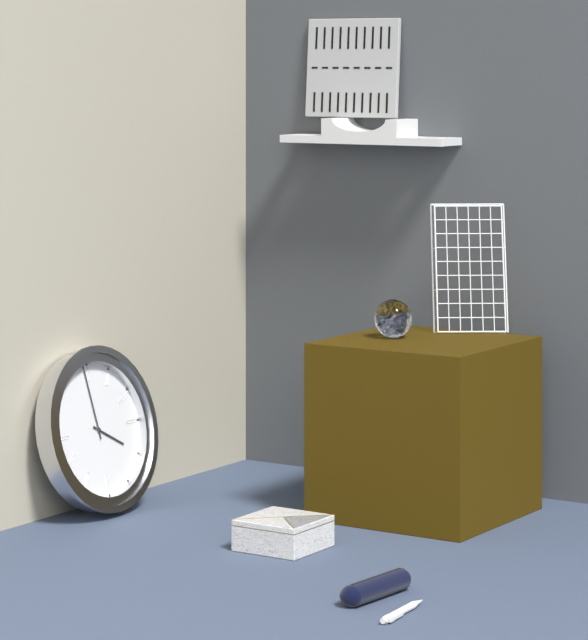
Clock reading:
3.59
